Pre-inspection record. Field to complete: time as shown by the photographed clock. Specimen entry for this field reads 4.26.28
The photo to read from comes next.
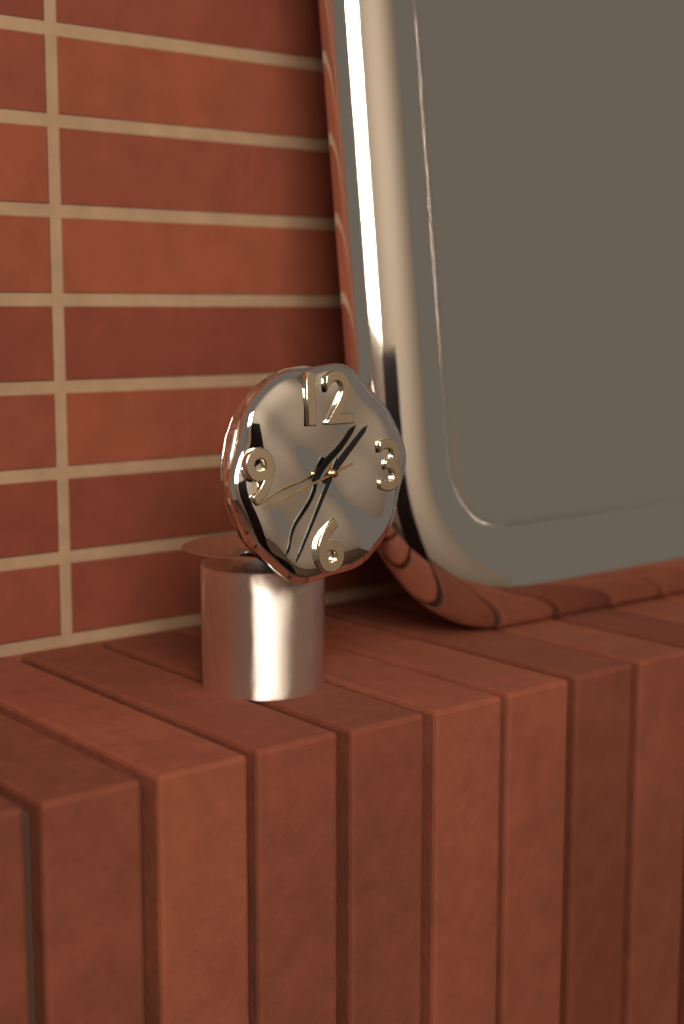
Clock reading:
1.35.42
